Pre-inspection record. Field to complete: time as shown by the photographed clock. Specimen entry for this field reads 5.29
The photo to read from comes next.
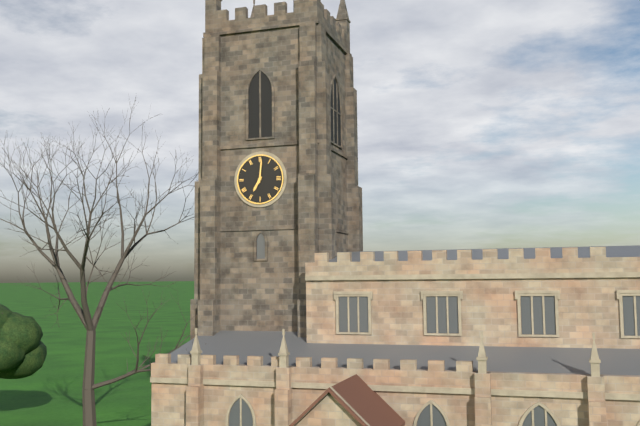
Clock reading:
7.01
